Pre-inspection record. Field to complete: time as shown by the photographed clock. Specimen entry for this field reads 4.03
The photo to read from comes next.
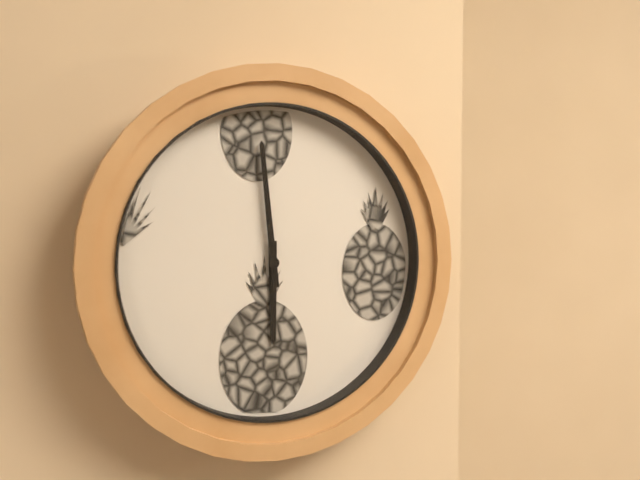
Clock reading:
5.59
